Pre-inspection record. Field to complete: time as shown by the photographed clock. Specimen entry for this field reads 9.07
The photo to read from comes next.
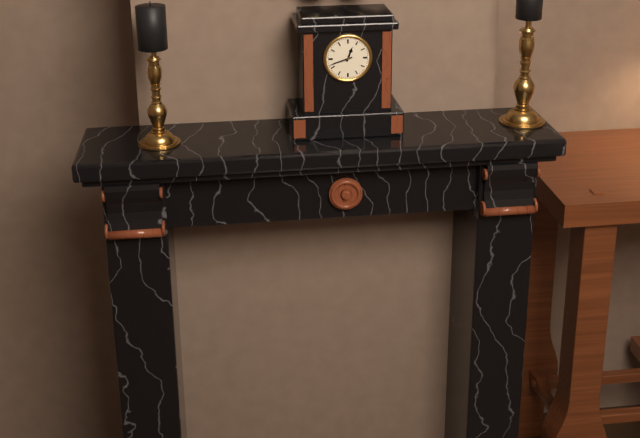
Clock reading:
12.42
